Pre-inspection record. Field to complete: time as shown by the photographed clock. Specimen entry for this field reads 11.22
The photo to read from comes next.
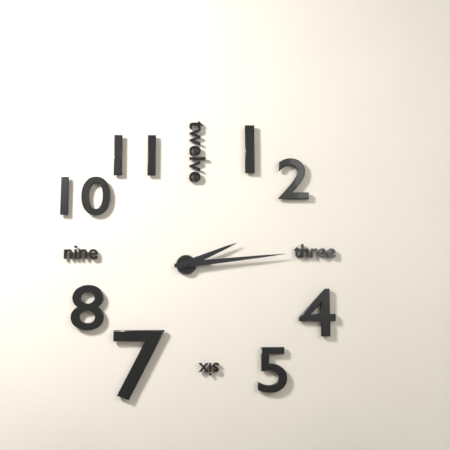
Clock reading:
2.14
